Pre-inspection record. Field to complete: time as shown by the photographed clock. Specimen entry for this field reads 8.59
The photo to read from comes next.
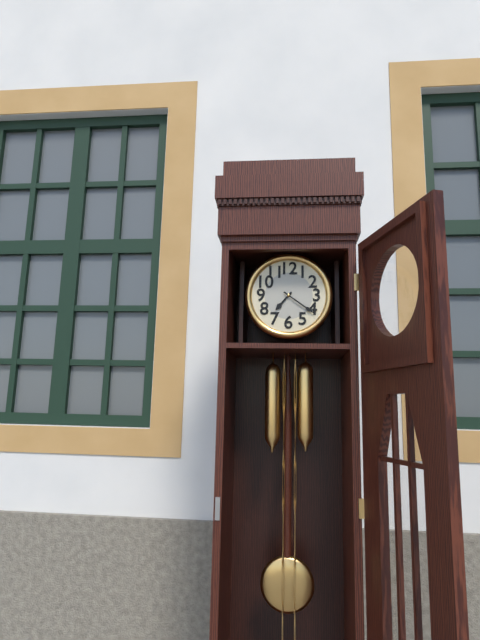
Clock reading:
7.21
